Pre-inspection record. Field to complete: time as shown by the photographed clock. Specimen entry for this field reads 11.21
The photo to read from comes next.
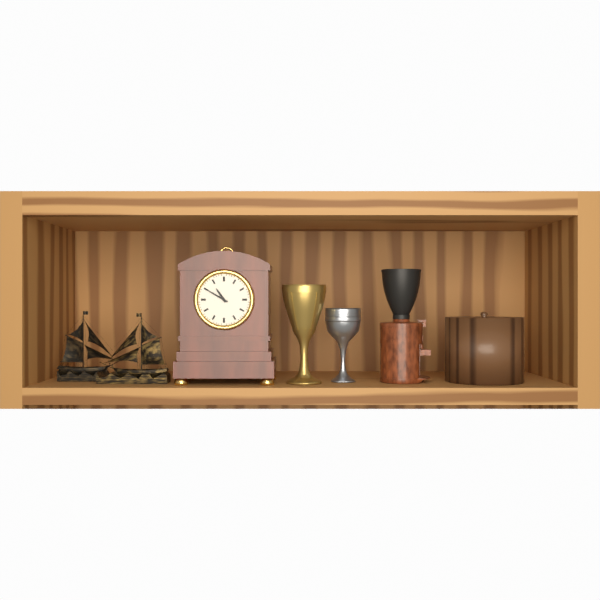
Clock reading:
10.50
